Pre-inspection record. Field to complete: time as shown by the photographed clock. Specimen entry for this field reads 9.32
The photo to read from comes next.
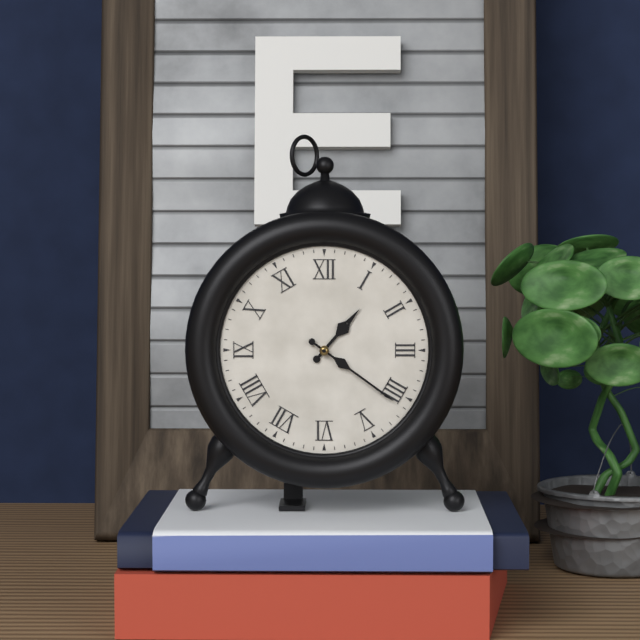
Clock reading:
1.21
